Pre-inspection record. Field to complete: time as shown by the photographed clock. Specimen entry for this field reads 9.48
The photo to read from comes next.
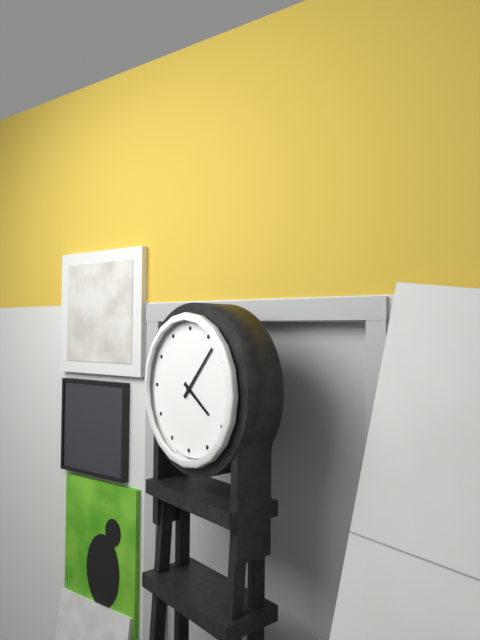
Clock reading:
4.07
